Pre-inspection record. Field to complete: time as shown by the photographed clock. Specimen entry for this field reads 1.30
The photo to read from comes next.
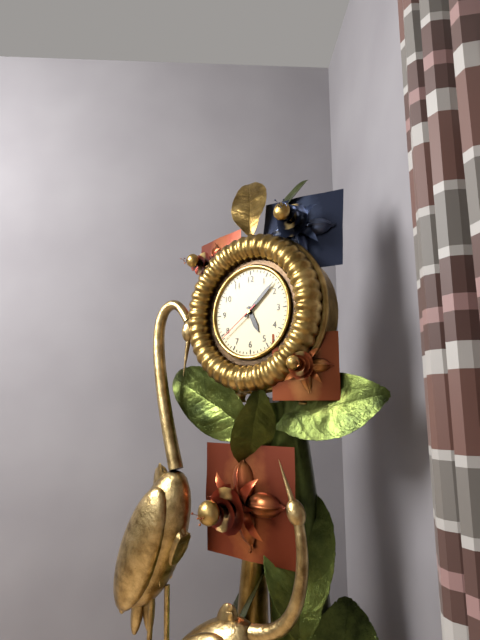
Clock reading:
5.08
